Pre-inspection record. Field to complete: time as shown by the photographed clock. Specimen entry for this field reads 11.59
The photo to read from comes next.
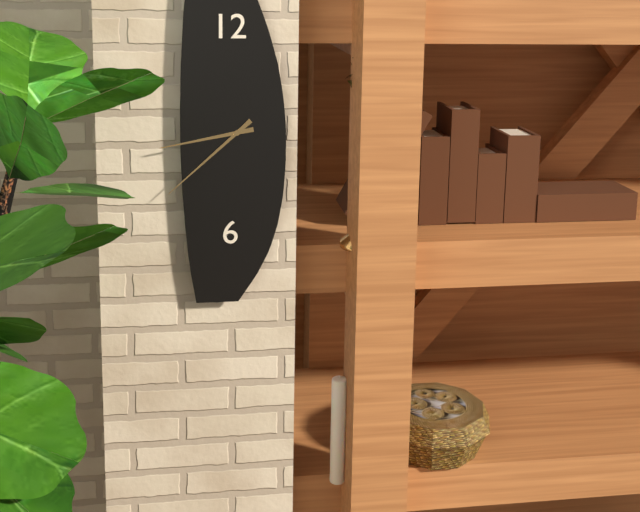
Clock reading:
8.38
